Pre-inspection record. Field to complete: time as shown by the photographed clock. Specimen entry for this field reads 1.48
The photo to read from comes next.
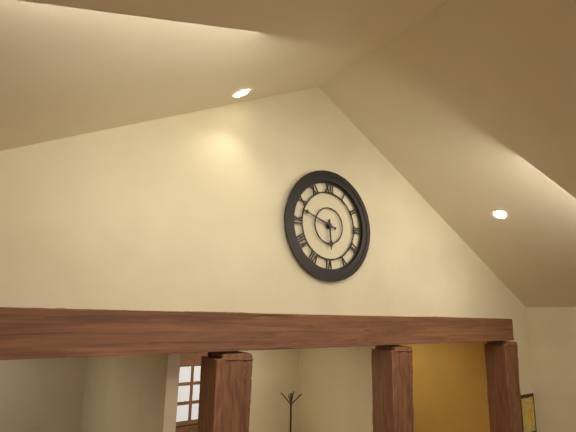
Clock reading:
5.48
